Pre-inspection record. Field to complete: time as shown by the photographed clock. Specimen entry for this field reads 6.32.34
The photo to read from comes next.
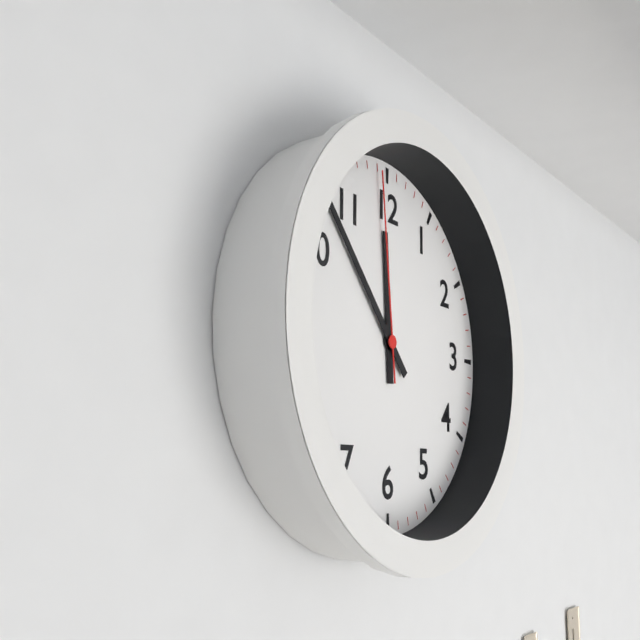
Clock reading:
11.53.59
